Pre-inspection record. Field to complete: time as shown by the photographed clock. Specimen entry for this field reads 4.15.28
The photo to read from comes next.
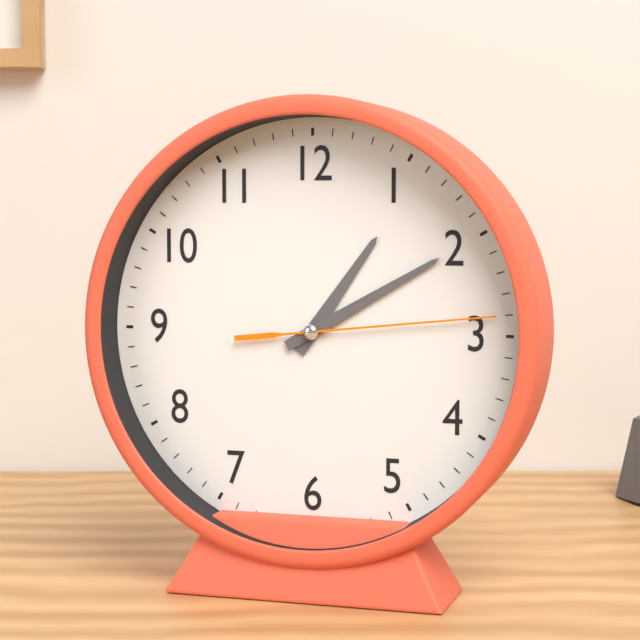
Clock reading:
1.10.14
